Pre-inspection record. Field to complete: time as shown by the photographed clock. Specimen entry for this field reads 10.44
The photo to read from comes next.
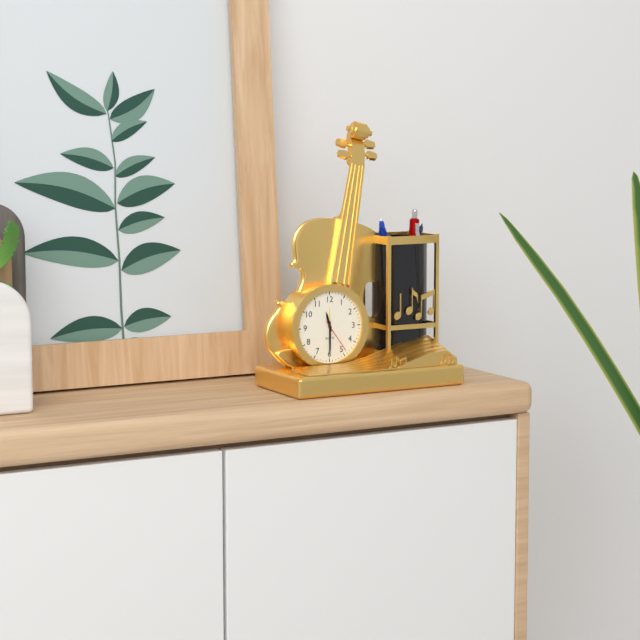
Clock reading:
11.30
